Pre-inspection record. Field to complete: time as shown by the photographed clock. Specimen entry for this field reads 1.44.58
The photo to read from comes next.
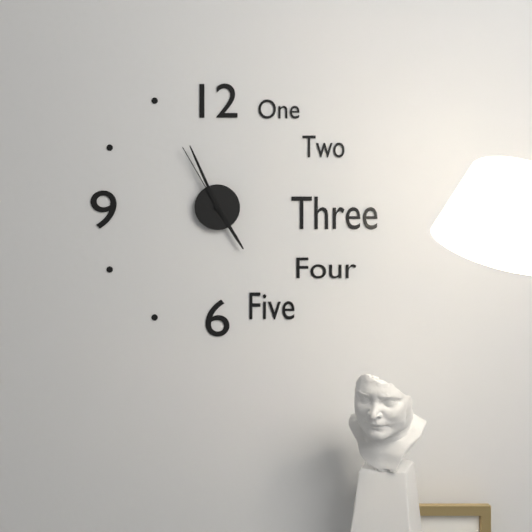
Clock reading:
4.56.55
